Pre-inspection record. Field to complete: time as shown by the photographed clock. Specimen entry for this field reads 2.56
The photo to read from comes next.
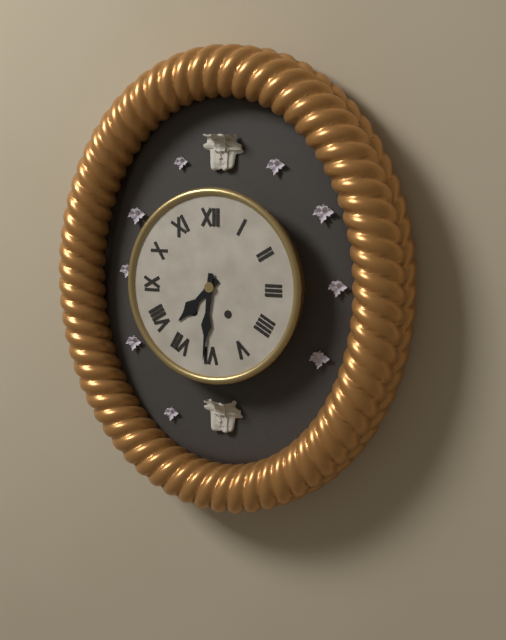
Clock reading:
7.31
